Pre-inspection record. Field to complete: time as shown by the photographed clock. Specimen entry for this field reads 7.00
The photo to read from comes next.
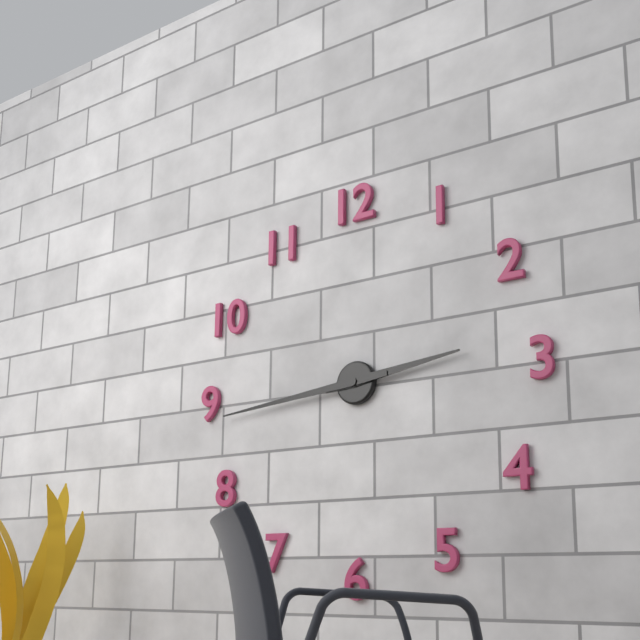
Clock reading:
2.44
